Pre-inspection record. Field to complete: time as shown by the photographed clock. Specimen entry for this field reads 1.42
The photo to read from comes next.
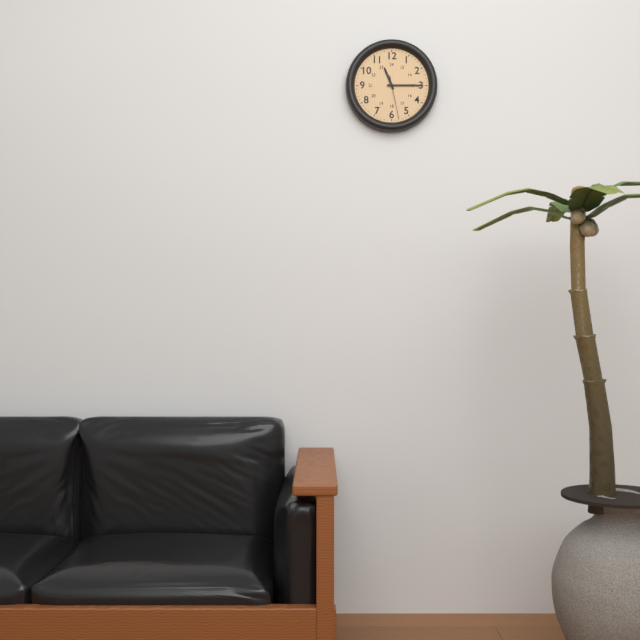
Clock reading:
11.15
